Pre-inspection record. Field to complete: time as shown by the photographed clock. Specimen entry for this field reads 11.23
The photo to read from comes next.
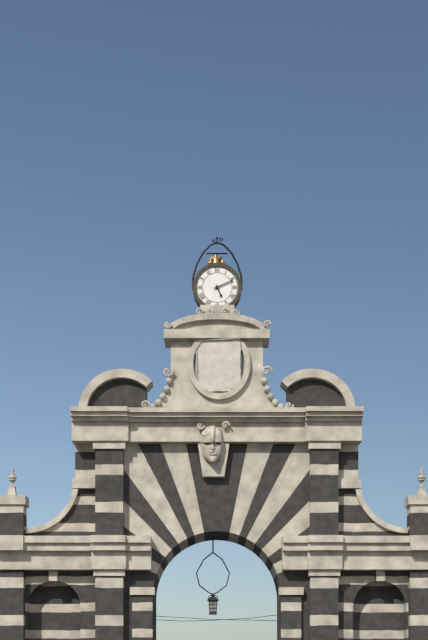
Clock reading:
5.11
